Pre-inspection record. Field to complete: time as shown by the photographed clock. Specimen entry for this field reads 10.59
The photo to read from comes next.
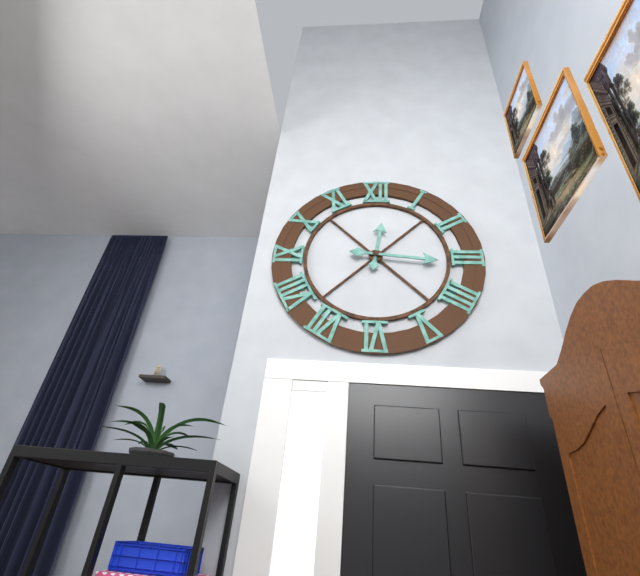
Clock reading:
12.16
